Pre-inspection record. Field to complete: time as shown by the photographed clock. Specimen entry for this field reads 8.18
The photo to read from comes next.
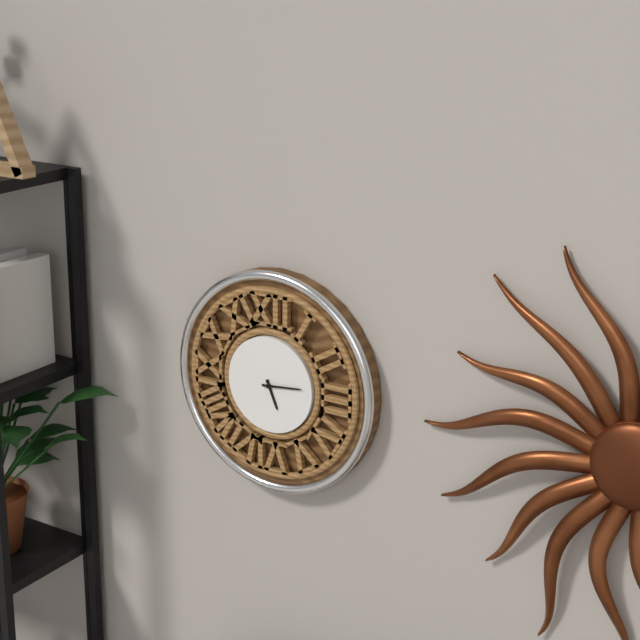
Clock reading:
5.14
